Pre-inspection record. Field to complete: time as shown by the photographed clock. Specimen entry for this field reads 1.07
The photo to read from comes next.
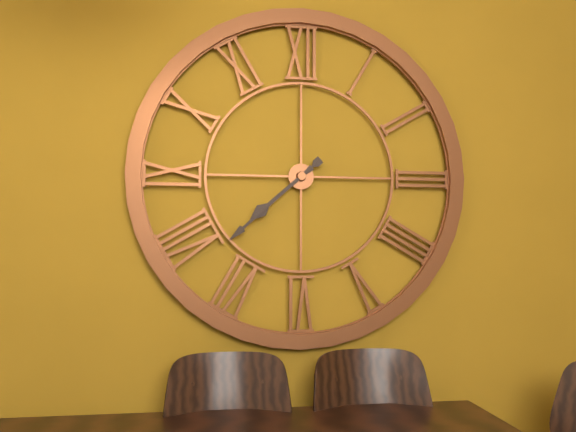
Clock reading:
7.38
